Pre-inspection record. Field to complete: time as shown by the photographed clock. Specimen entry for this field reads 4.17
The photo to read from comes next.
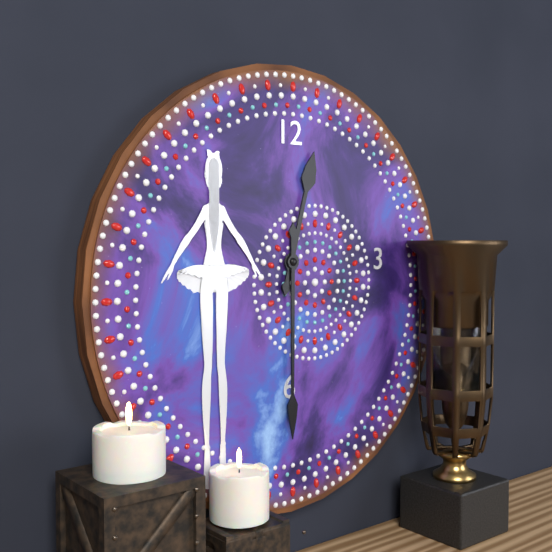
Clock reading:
12.30
